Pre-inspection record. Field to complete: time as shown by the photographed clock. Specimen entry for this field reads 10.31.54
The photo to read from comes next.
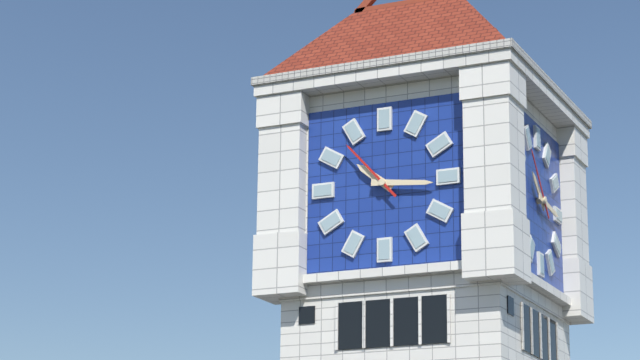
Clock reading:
10.16.53
